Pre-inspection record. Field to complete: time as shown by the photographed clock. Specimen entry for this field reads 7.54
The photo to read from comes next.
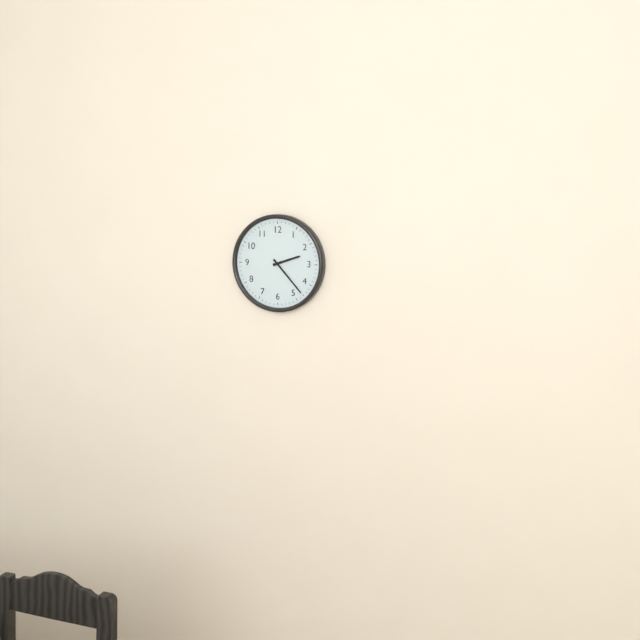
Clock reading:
2.23
